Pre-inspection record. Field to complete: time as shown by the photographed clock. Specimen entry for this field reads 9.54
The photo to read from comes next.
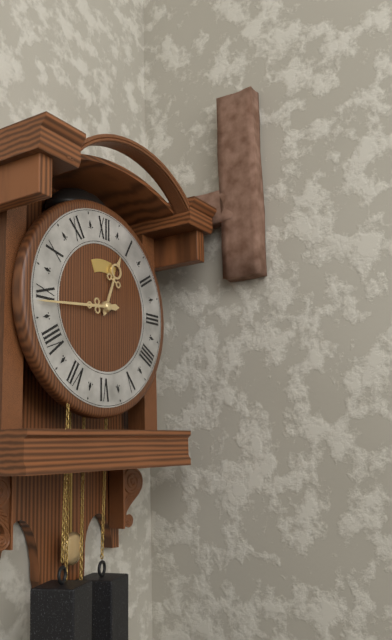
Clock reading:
12.44
